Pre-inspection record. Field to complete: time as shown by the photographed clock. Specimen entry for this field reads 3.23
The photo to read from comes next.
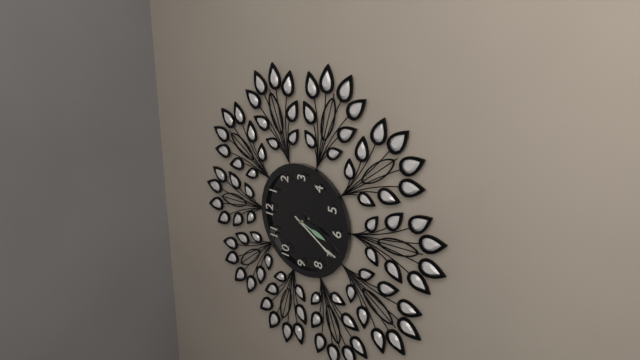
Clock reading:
6.35
